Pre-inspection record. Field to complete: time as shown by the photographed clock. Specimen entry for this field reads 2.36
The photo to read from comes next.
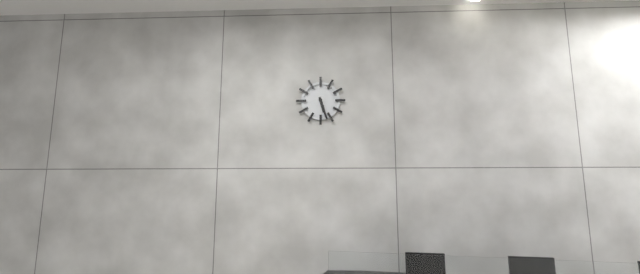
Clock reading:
5.27
